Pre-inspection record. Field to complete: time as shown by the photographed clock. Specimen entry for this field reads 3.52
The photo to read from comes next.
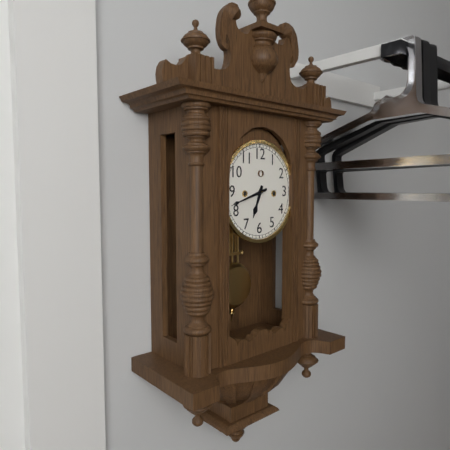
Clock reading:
6.42
